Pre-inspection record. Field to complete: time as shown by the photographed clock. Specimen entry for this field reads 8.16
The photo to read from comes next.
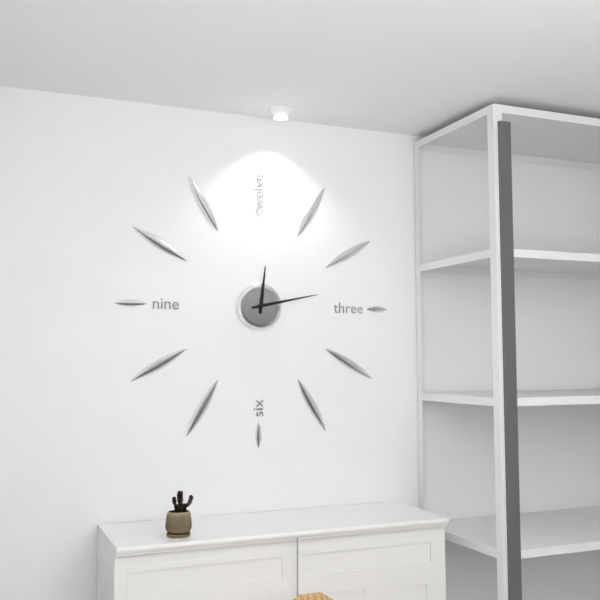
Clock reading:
12.13
